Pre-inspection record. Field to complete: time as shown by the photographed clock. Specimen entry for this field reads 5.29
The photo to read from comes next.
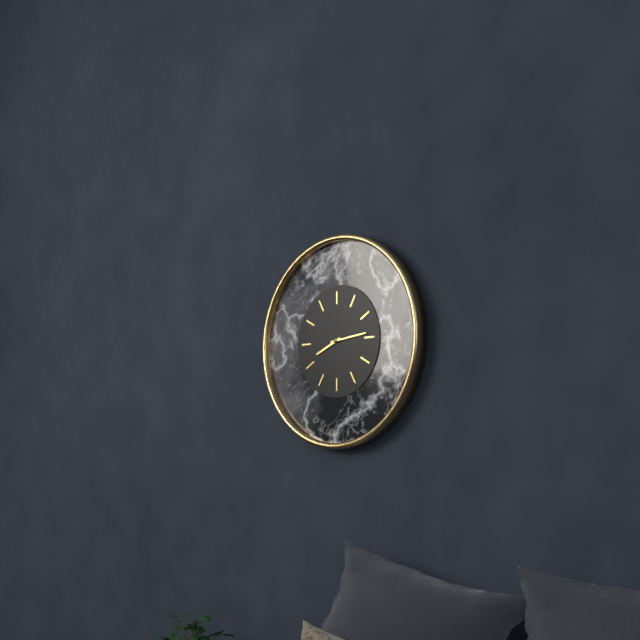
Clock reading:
8.14
